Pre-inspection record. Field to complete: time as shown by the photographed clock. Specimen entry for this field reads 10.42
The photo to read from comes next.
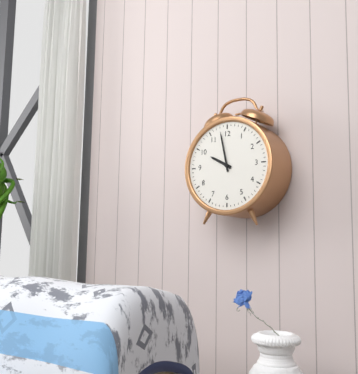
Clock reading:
9.58
